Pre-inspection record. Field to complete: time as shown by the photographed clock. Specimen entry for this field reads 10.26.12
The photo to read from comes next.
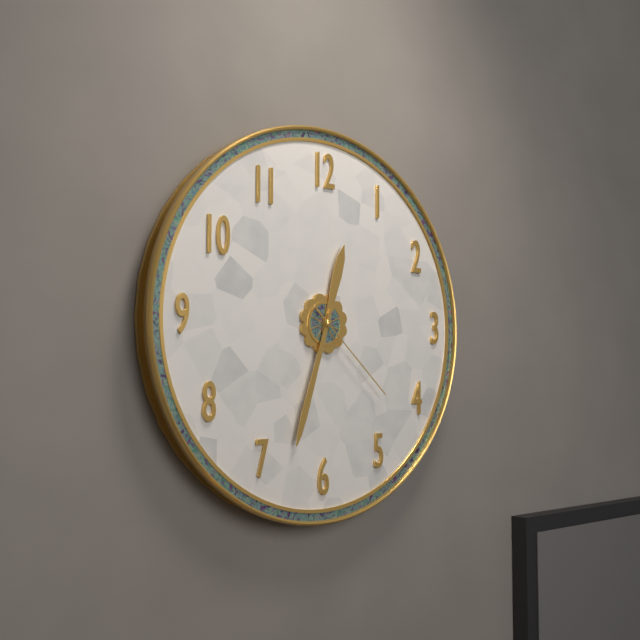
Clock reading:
12.33.22
